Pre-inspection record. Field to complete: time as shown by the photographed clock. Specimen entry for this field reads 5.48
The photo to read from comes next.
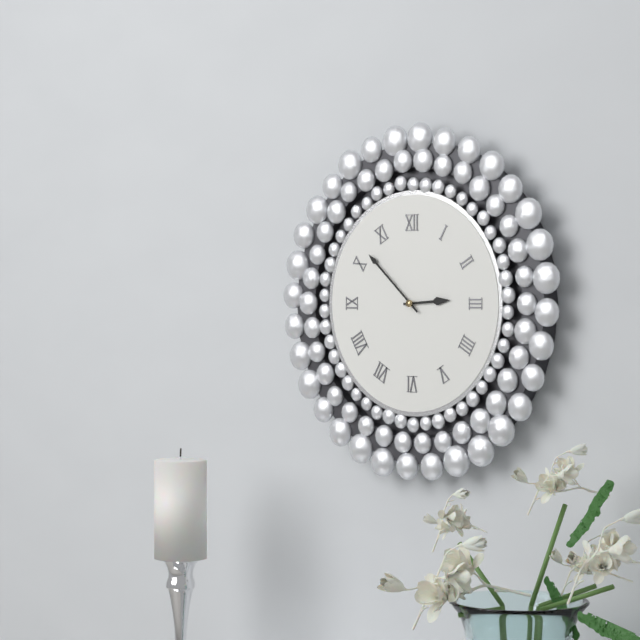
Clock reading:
2.52
